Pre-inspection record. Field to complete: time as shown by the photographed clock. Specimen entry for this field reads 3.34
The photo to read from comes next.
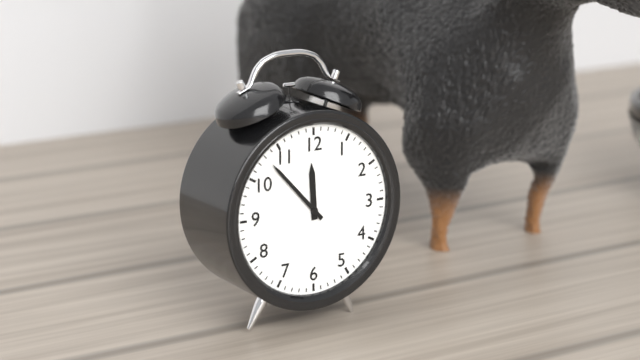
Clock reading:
11.53
